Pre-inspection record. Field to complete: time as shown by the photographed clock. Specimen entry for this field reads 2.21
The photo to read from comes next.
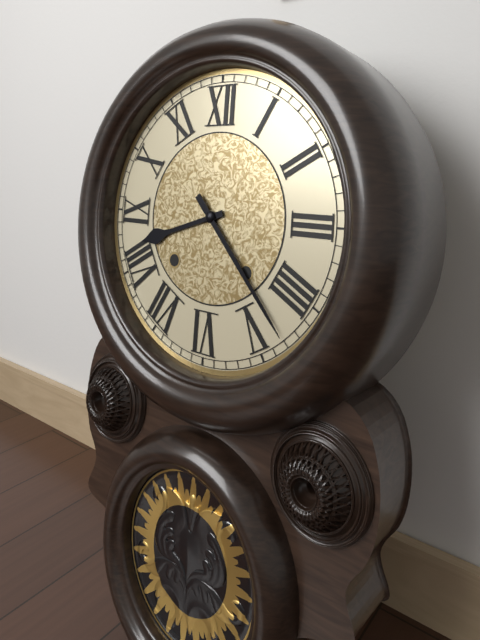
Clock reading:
8.23
